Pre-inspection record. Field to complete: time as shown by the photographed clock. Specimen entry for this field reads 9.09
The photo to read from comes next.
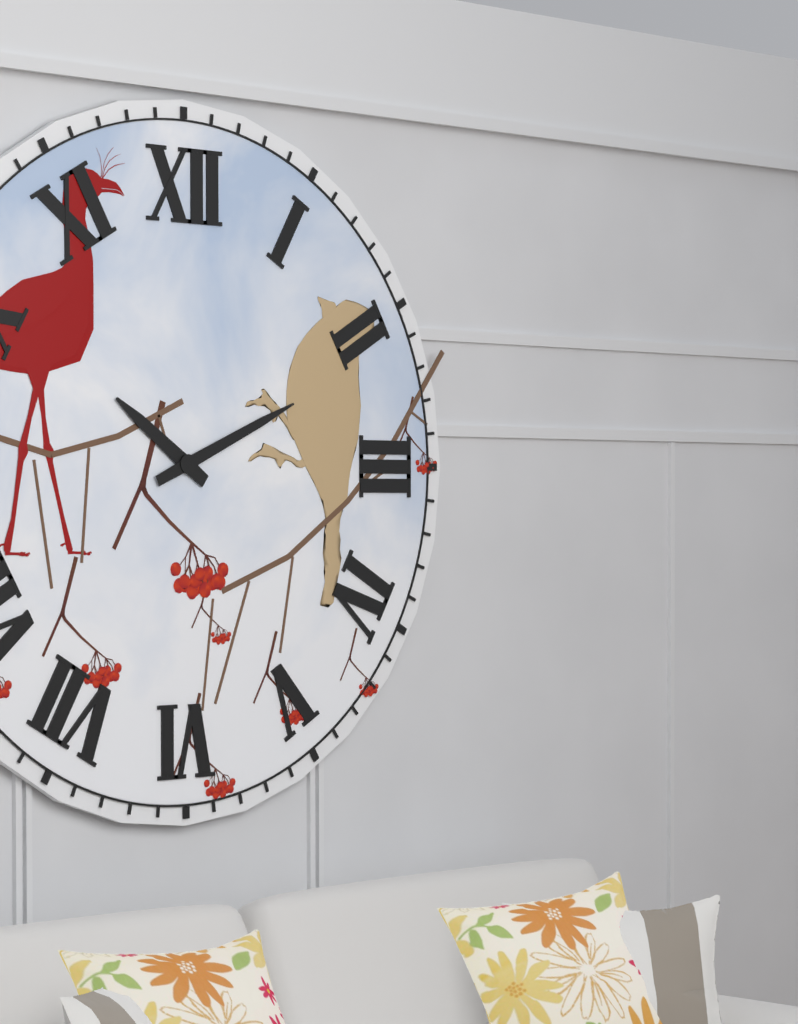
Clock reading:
10.11
